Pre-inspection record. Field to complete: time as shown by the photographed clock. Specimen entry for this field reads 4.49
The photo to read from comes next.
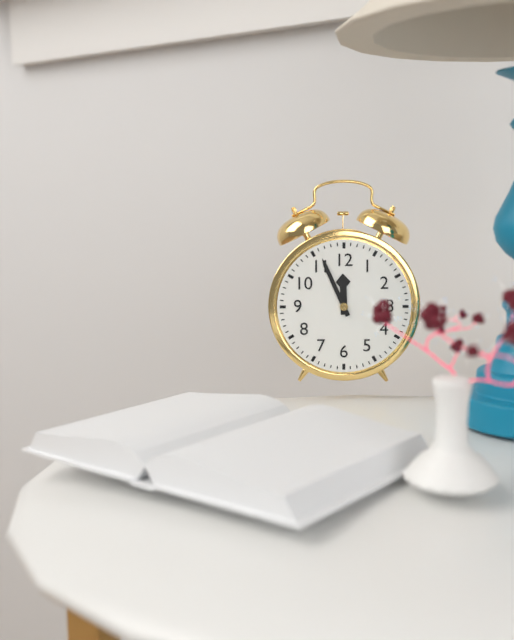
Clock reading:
11.56
